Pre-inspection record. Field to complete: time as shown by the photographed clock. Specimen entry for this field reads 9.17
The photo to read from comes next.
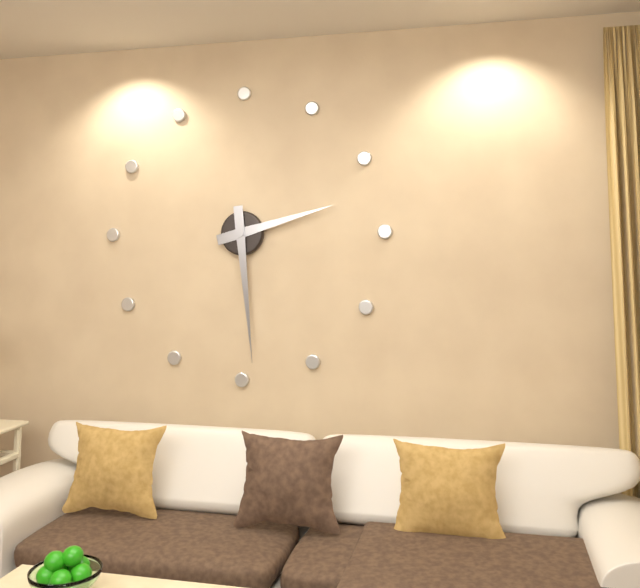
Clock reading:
2.29
